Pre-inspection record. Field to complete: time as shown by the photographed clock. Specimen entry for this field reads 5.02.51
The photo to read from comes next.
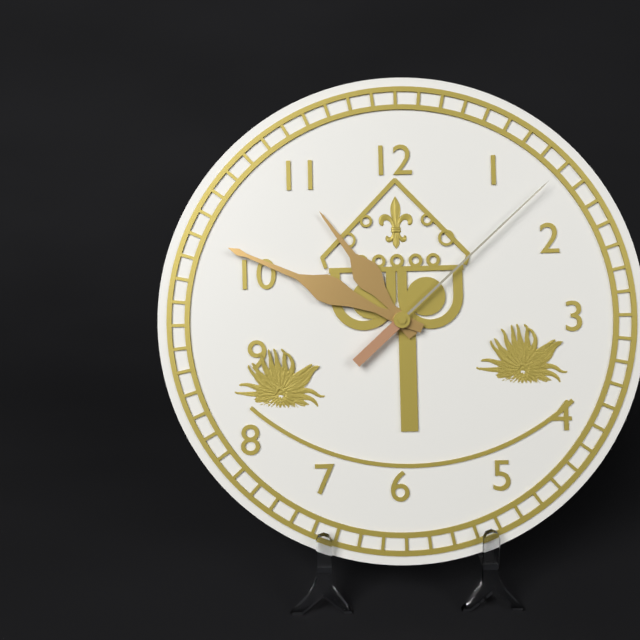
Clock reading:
10.49.08
